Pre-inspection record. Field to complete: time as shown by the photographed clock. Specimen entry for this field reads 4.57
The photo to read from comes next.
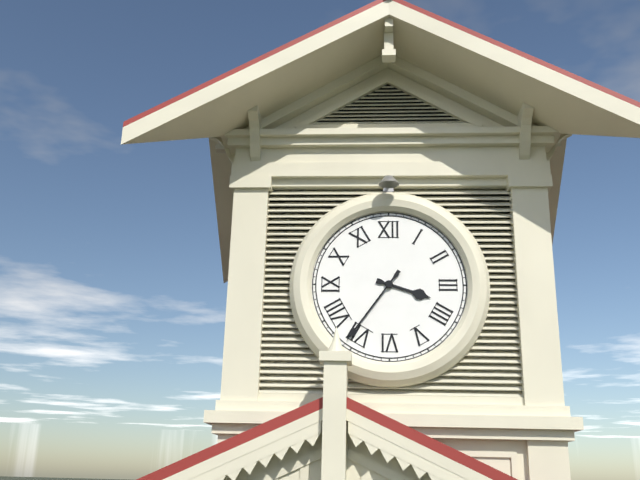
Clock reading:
3.36
